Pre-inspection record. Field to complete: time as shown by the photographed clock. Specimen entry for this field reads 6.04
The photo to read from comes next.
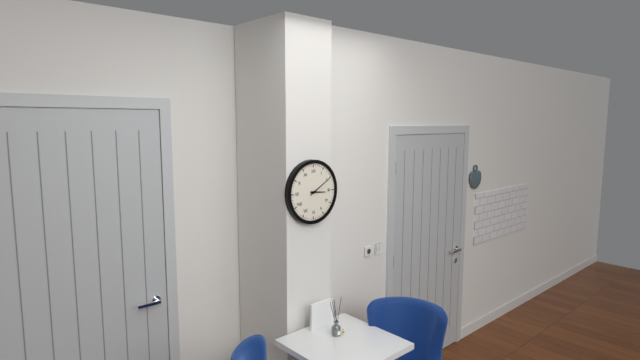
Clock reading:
3.10
